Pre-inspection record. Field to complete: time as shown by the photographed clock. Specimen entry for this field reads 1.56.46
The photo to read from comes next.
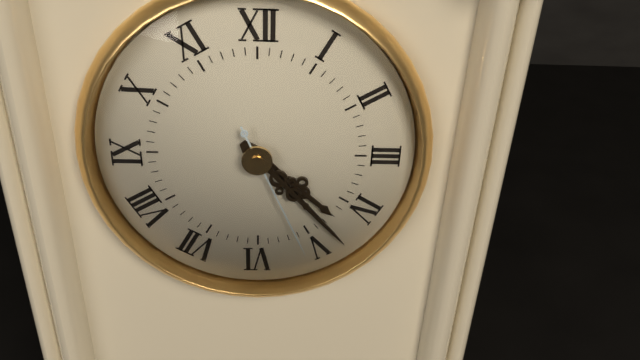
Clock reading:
4.23.26
